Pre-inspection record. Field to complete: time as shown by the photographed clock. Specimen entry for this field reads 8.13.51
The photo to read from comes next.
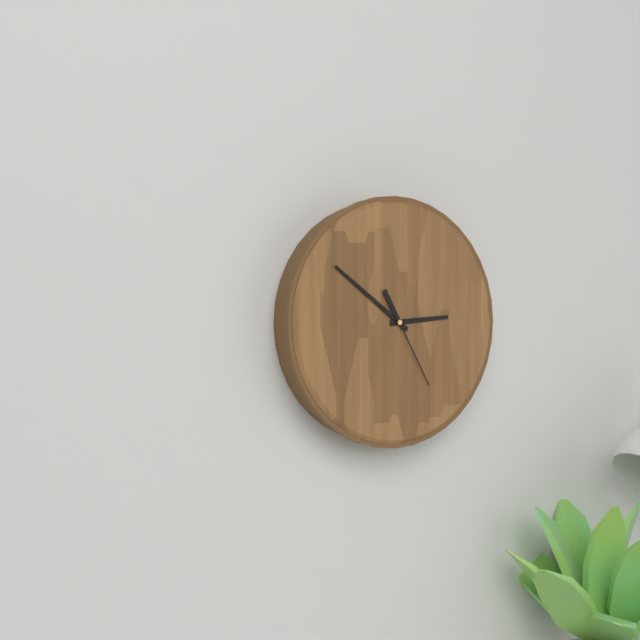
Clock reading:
2.51.25
